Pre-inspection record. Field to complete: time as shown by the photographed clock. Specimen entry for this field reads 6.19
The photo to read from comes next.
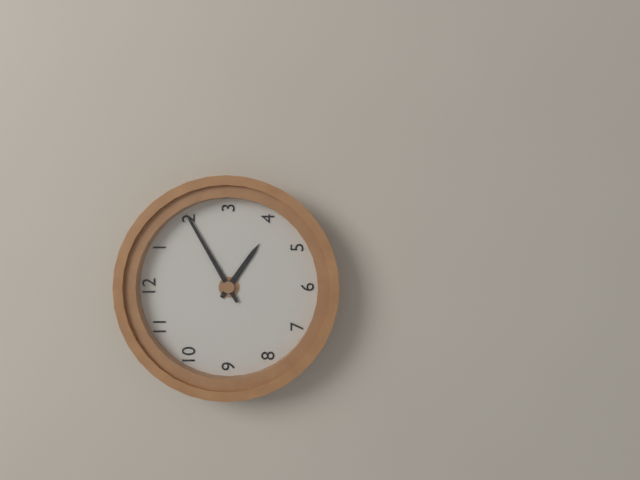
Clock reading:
4.10
